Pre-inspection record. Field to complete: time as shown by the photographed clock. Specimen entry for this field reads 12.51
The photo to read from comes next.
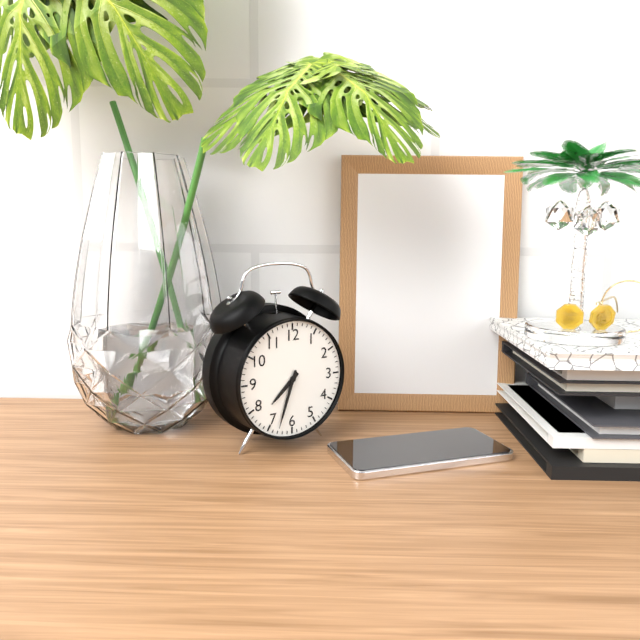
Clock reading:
7.33
